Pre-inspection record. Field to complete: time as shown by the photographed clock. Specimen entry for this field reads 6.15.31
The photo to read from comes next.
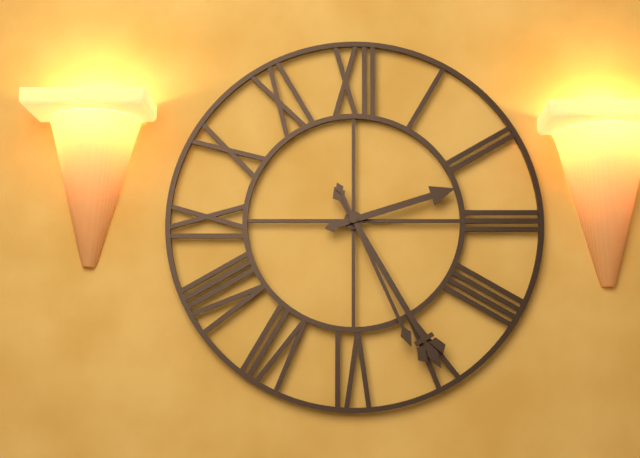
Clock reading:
2.25.26
